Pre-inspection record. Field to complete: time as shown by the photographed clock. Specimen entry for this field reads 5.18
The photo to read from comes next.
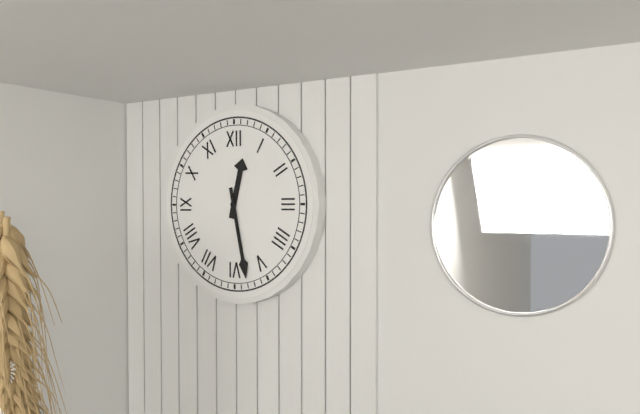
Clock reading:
12.28
